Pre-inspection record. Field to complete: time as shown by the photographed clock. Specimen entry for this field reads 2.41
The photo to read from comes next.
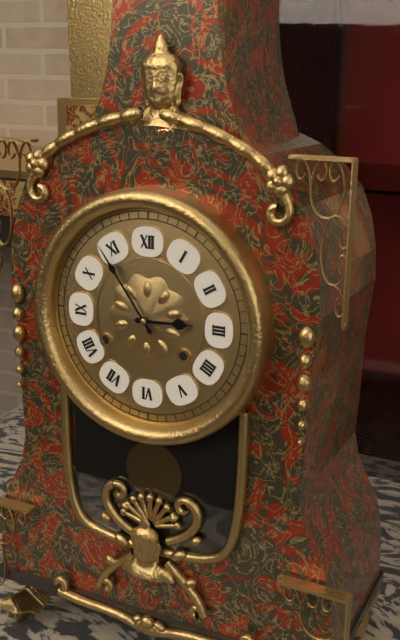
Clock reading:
2.54
